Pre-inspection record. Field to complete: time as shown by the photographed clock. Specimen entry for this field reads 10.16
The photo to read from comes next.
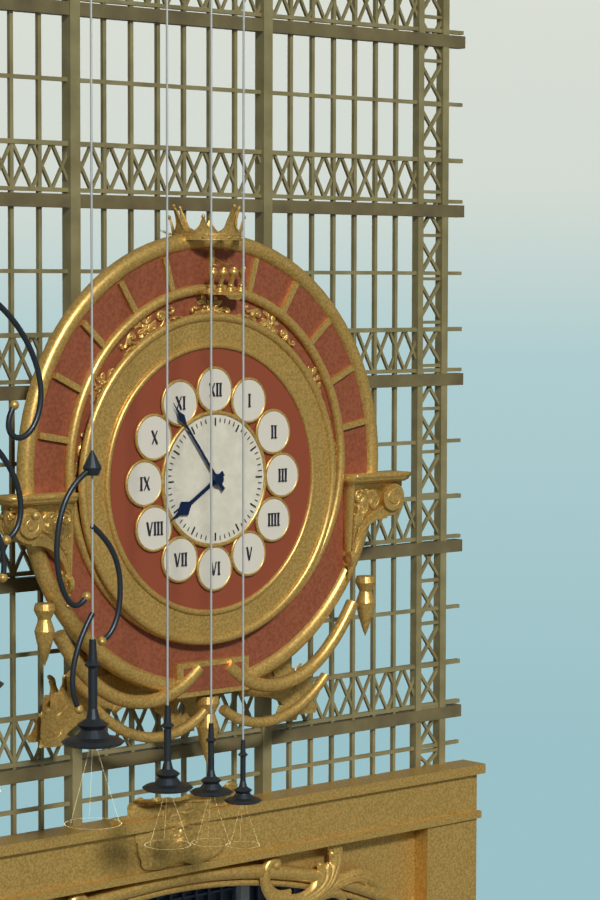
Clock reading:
7.54
